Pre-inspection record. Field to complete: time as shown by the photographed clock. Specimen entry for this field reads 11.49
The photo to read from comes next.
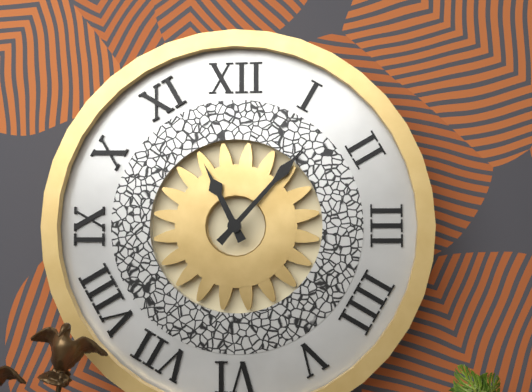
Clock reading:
11.07
